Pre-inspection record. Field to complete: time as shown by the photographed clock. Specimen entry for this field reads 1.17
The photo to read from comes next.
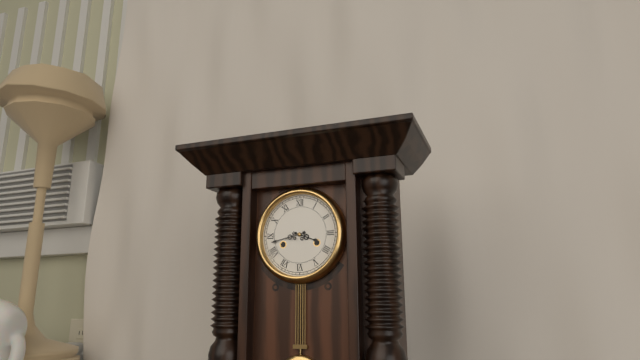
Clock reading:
3.43
